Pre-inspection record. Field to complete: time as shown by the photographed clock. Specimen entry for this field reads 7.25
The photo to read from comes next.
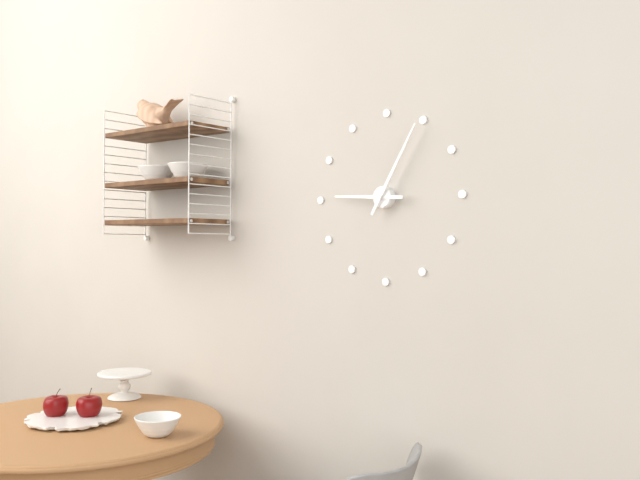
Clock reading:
9.05
